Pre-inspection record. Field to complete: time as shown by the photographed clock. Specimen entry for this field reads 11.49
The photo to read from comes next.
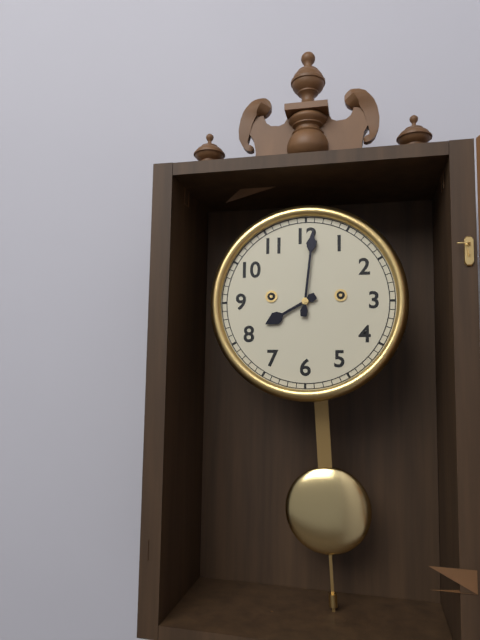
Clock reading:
8.01
